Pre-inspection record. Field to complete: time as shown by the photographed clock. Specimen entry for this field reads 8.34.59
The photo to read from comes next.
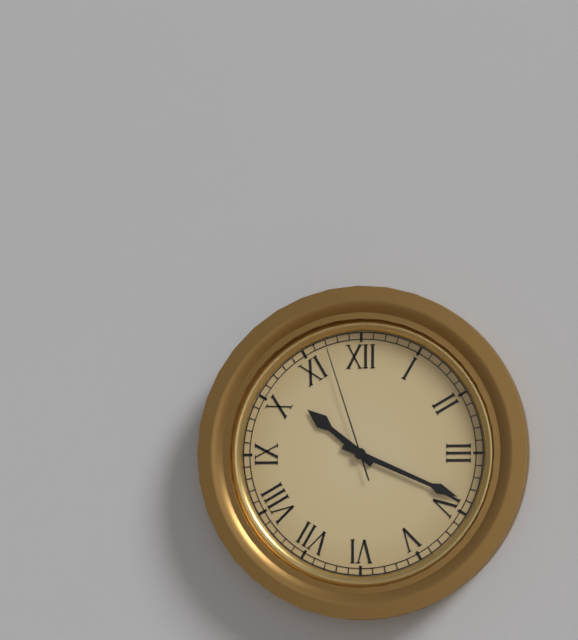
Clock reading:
10.19.57
